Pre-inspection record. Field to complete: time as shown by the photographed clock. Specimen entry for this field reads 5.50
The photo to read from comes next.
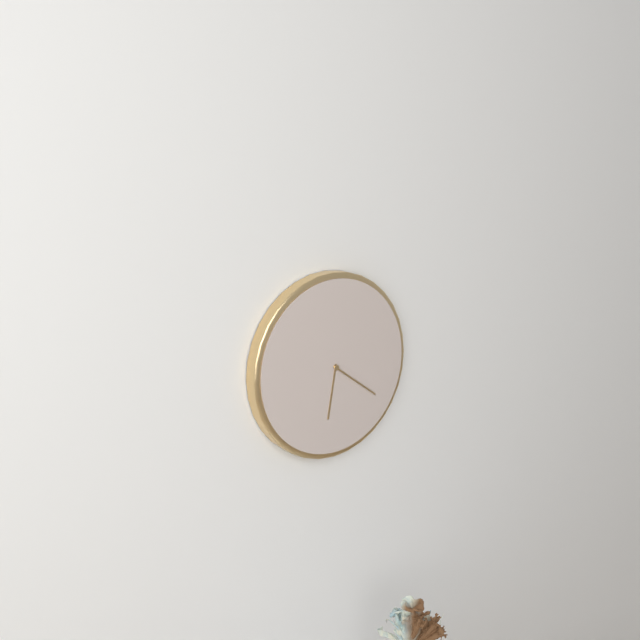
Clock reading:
6.21
